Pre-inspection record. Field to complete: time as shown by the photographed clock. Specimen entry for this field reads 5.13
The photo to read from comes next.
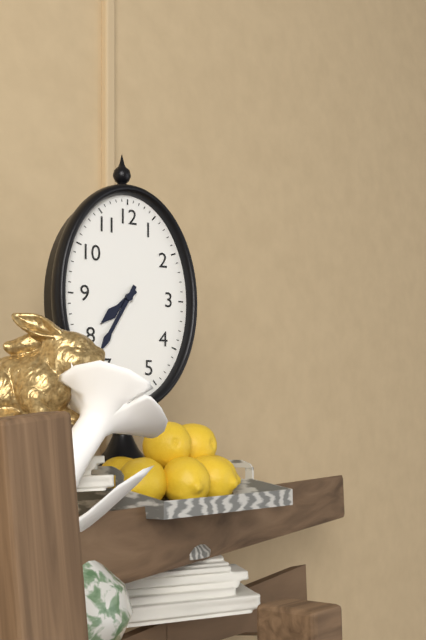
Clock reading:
7.35
